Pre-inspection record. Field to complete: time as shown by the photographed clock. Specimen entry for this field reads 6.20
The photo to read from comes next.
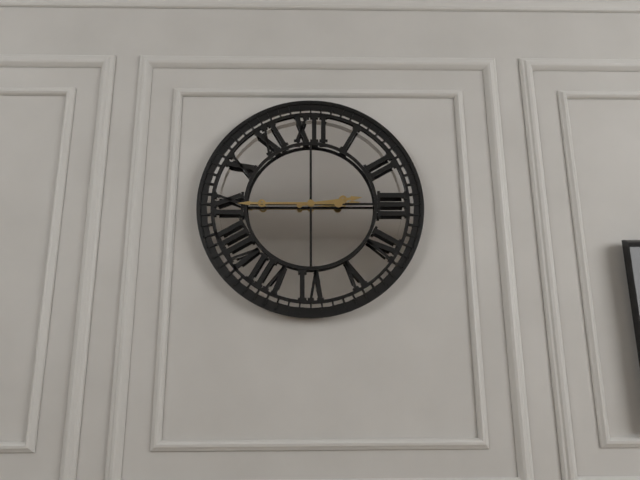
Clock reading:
2.45
